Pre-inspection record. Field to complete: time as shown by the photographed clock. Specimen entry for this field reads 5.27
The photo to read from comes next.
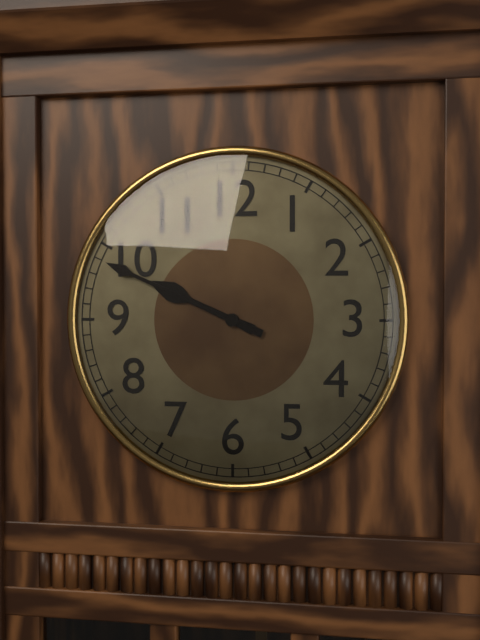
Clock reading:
9.49
